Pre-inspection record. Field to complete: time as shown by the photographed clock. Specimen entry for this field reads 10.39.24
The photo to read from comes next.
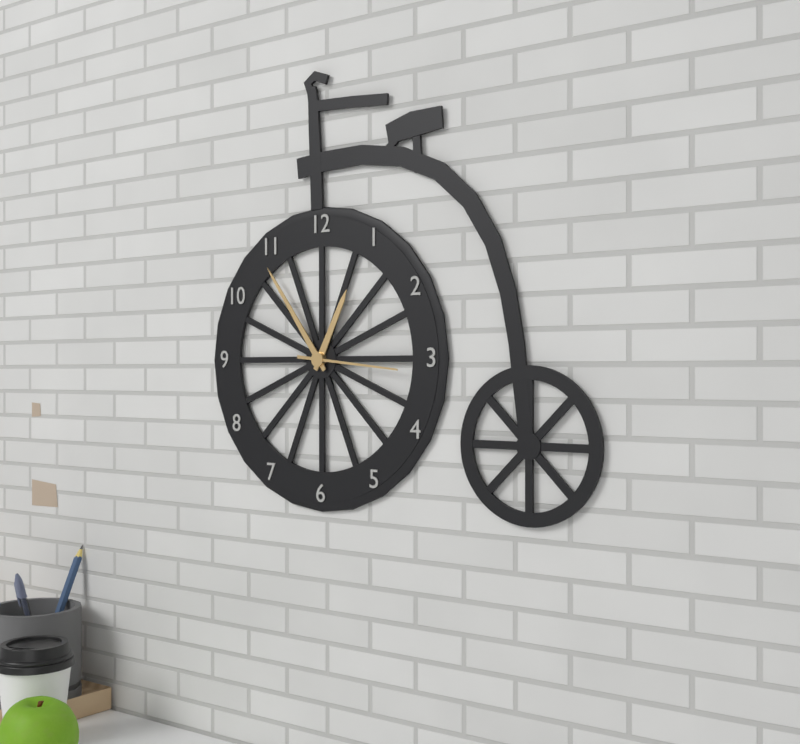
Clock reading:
12.54.16
